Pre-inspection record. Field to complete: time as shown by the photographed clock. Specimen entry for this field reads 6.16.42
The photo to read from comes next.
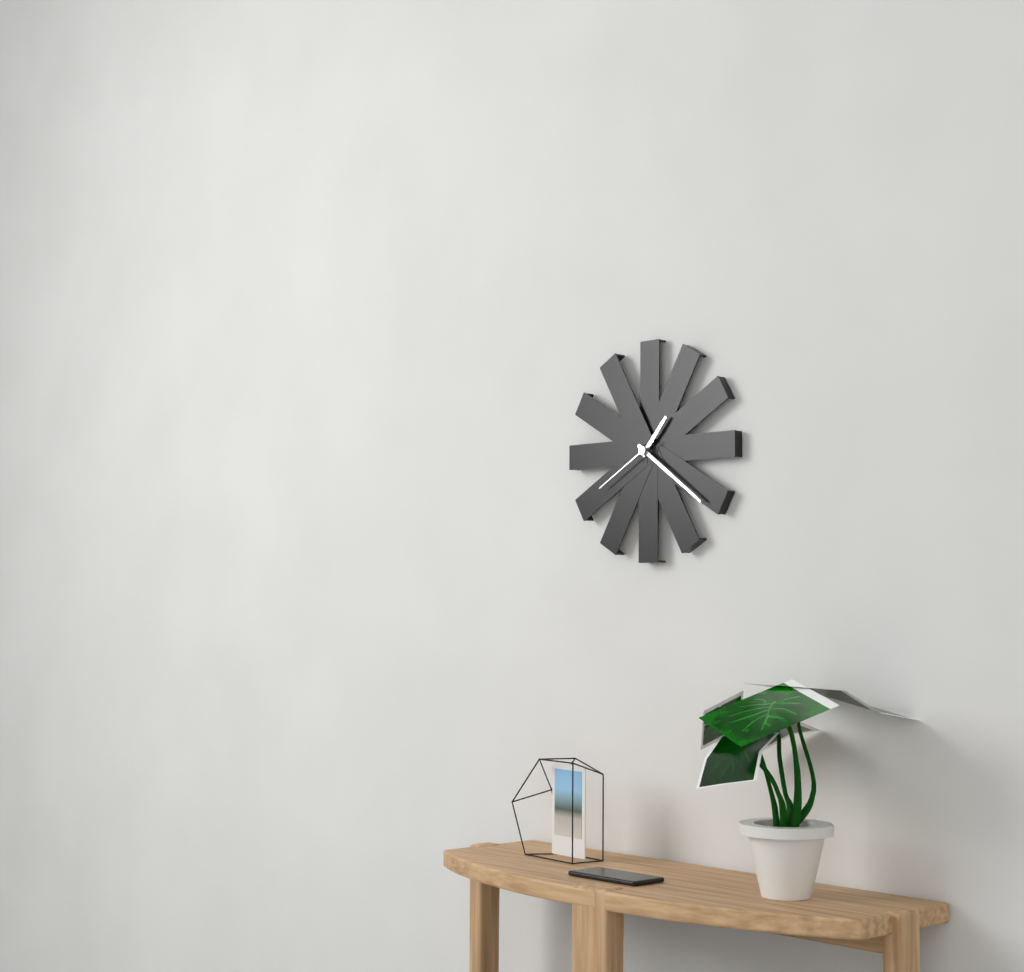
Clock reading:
1.21.40
